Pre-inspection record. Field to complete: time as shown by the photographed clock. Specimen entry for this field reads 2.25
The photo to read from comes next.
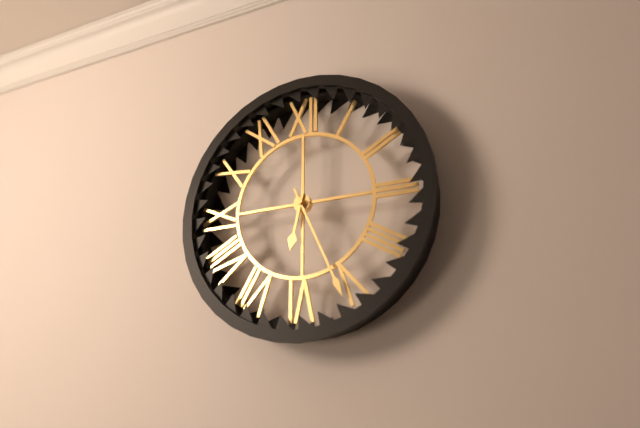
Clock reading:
6.26
